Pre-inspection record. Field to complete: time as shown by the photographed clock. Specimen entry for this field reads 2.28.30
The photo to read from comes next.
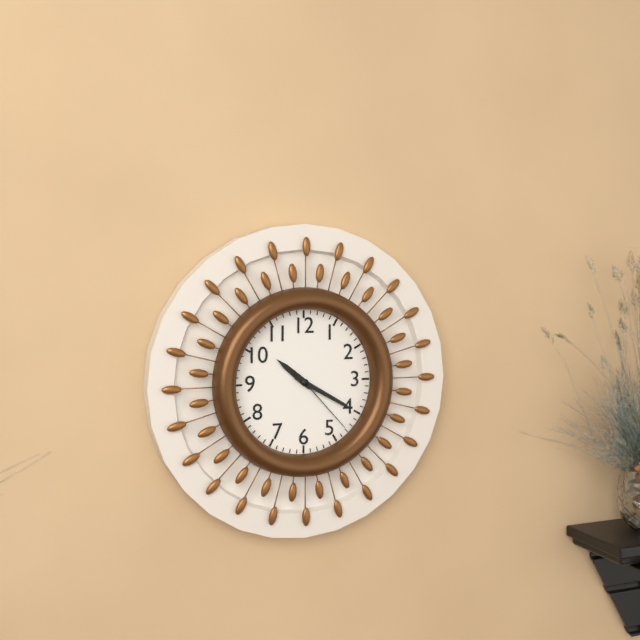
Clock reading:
10.20.23
